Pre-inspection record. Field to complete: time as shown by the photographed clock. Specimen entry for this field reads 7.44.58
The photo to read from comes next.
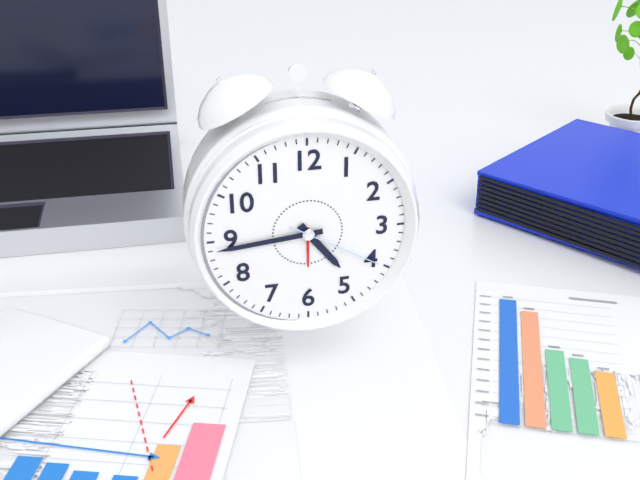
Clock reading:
4.44.20
